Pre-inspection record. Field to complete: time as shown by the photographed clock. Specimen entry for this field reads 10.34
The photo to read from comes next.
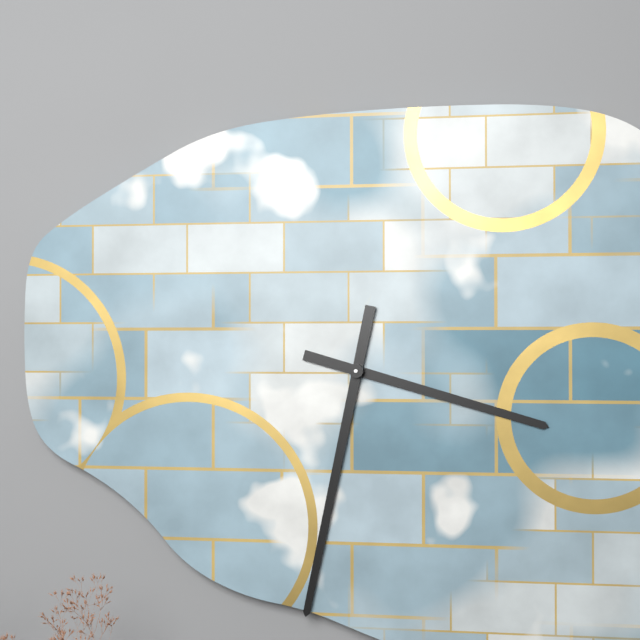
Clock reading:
3.32
